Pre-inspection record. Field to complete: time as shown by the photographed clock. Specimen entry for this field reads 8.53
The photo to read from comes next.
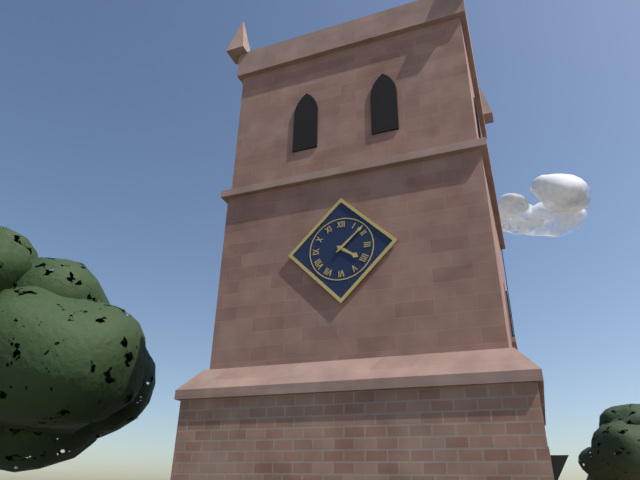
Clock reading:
4.08
